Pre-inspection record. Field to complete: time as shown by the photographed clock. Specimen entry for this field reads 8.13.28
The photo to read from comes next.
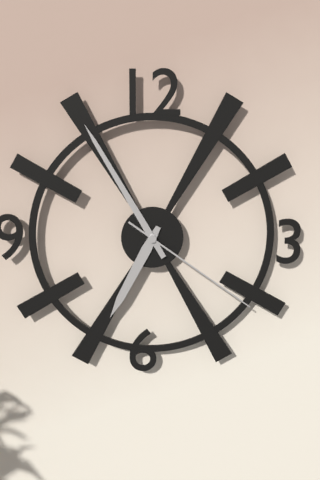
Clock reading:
6.55.21
